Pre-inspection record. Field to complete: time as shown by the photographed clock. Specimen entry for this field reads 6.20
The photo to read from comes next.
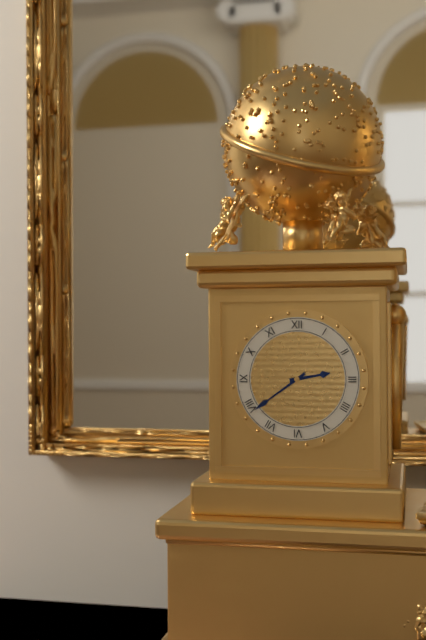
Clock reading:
2.39
